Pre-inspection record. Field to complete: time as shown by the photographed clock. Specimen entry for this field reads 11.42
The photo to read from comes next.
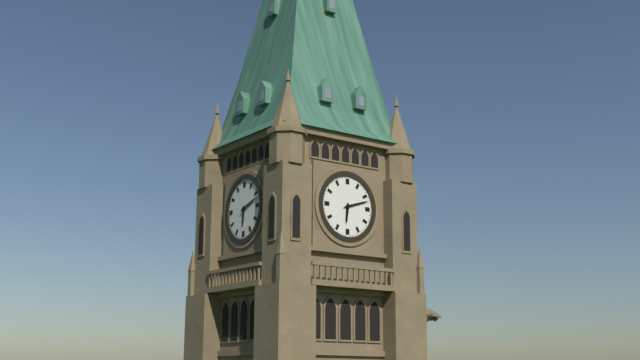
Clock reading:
6.12
